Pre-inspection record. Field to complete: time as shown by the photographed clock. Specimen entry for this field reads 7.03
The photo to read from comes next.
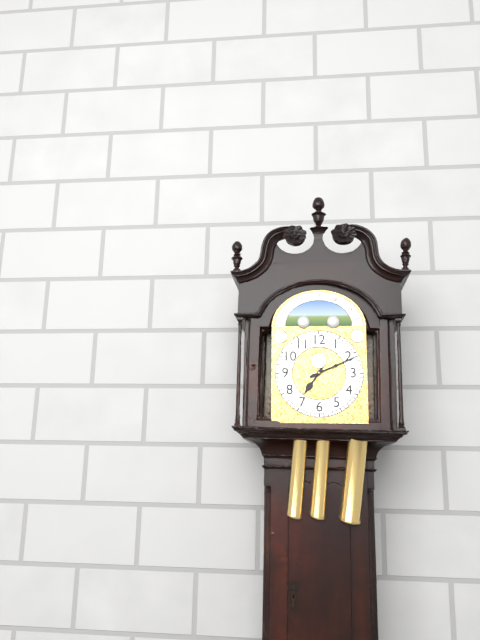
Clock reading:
7.11
